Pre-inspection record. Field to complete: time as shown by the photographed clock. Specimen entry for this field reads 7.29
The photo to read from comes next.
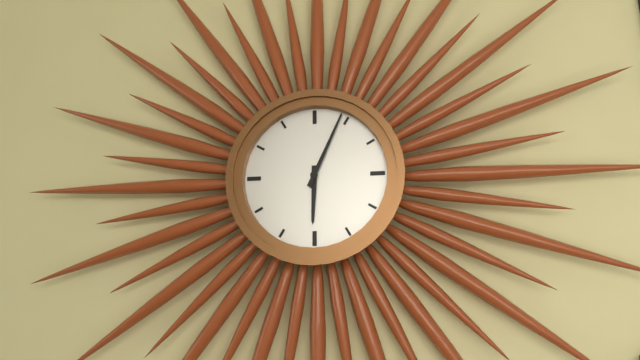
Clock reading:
6.04
